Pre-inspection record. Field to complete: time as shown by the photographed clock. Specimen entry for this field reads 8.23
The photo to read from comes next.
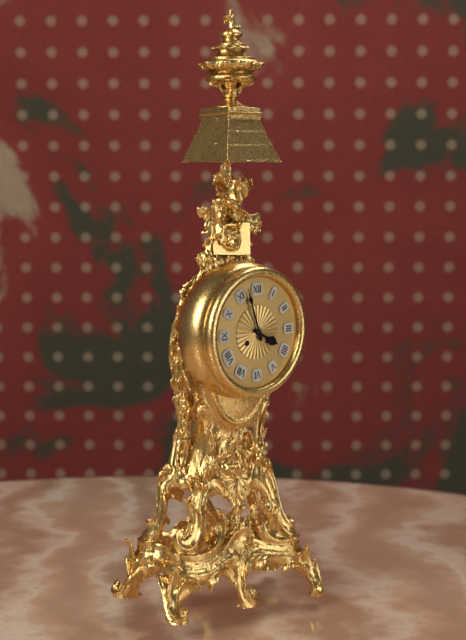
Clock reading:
3.57
